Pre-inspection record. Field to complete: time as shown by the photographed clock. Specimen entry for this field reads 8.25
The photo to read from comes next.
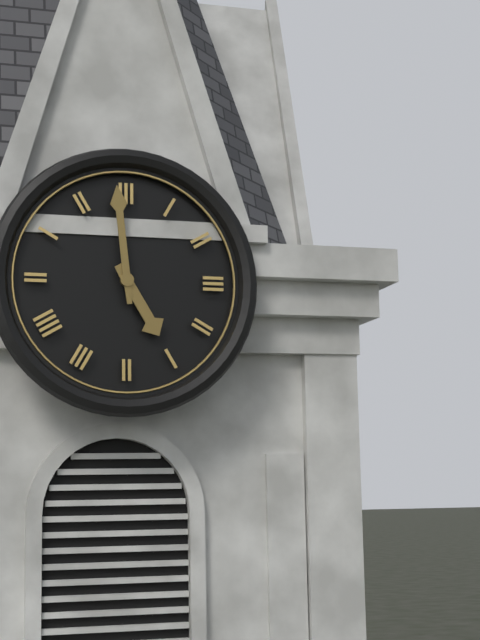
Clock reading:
4.59
